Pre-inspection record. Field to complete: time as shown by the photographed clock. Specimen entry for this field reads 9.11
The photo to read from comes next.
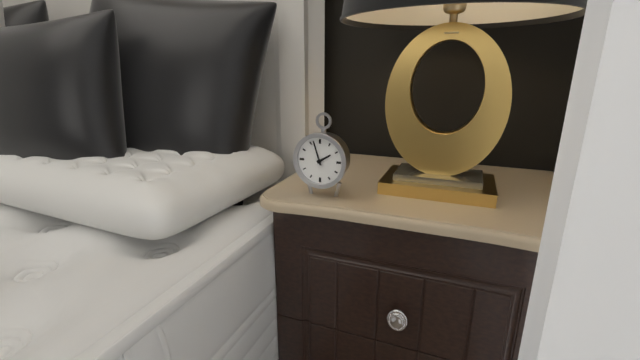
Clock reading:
1.57
